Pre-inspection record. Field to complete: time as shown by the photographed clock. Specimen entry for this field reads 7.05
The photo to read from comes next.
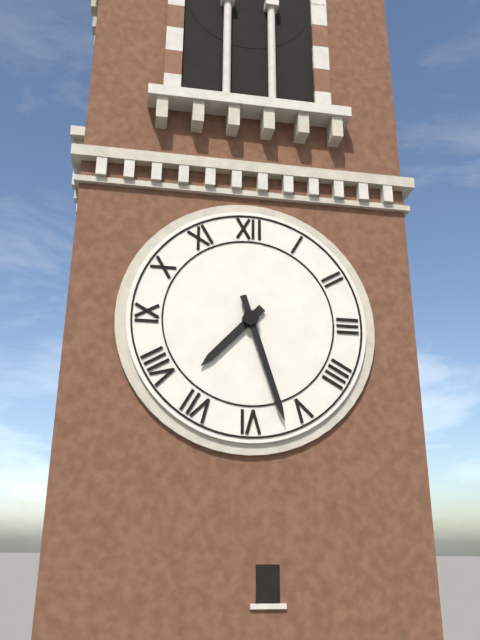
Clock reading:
7.27
